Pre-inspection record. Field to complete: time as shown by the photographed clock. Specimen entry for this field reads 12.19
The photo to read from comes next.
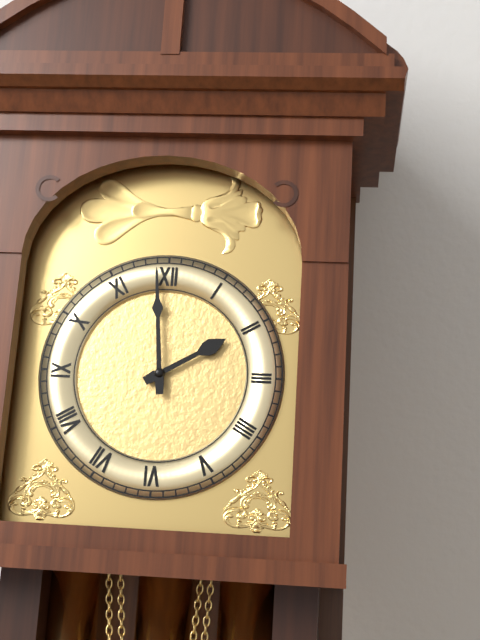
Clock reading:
1.59
